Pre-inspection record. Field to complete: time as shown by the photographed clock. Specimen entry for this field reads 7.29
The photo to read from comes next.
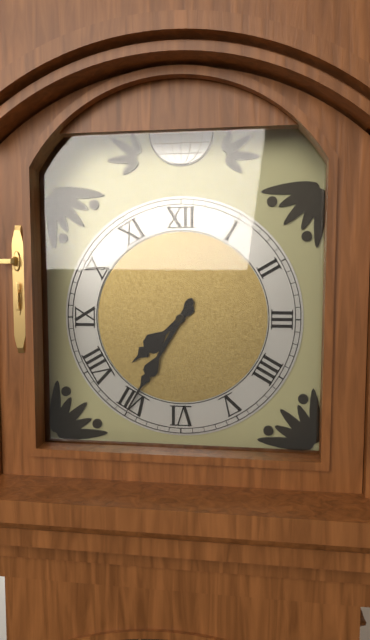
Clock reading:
7.35
